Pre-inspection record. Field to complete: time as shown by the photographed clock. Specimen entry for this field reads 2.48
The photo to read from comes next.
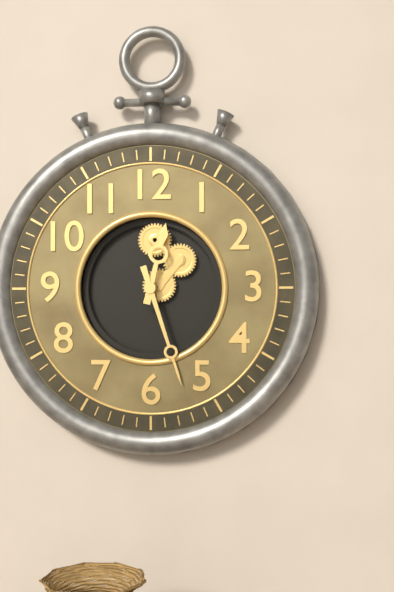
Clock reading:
12.27
